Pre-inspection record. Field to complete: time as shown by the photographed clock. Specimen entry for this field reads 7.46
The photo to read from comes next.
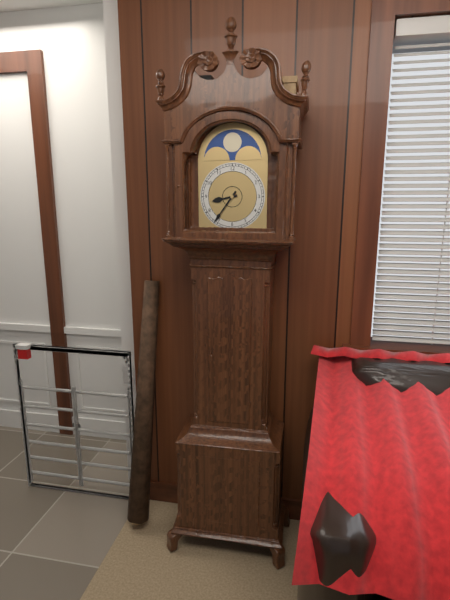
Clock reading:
8.36
